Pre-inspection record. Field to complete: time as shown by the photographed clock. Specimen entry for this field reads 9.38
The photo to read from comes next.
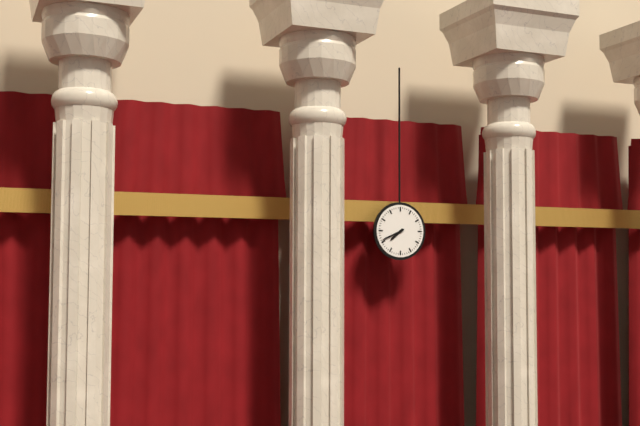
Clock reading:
7.41
